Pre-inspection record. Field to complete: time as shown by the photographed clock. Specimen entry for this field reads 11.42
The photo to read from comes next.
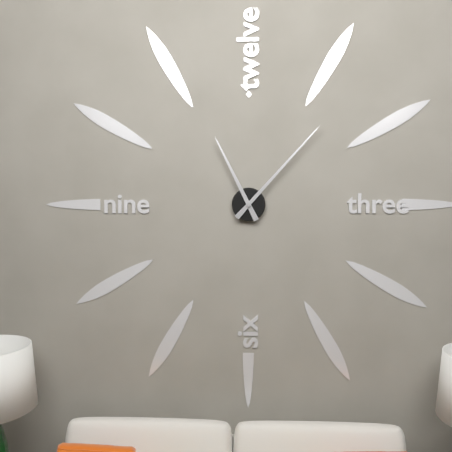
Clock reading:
11.07
